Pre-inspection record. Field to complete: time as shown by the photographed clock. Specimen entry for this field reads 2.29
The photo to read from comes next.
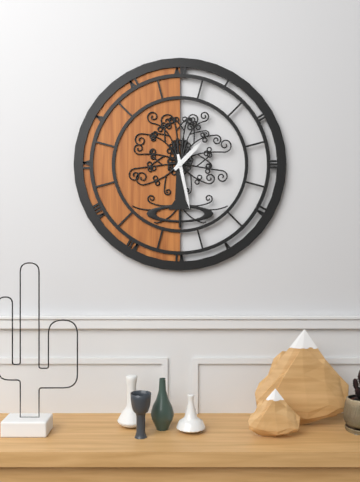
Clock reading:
1.28
